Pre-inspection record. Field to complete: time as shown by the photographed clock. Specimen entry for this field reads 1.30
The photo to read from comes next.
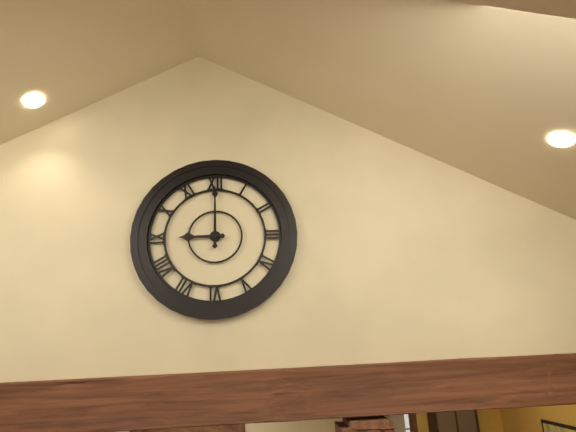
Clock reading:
9.00
